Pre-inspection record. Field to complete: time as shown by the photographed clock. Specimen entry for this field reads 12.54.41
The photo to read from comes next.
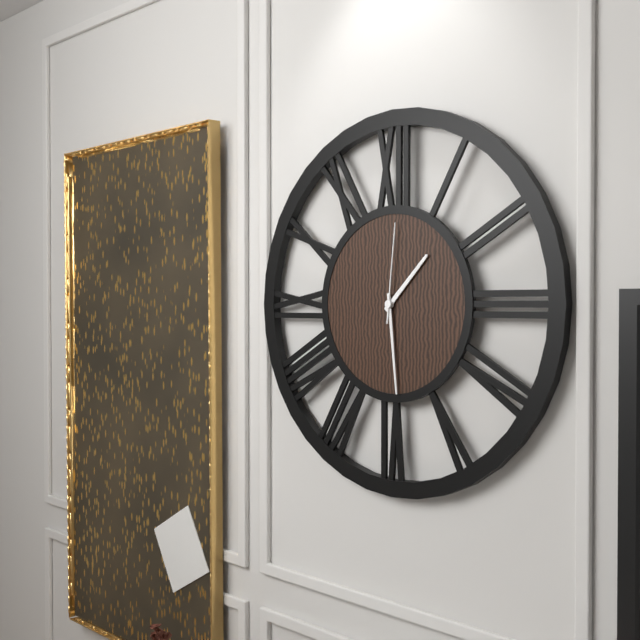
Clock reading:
1.29.01
